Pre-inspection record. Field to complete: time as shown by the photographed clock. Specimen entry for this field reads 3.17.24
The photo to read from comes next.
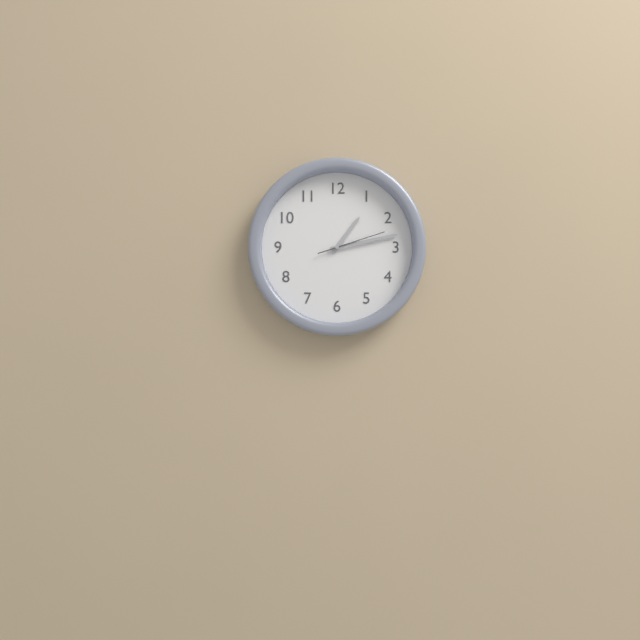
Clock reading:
1.13.12
